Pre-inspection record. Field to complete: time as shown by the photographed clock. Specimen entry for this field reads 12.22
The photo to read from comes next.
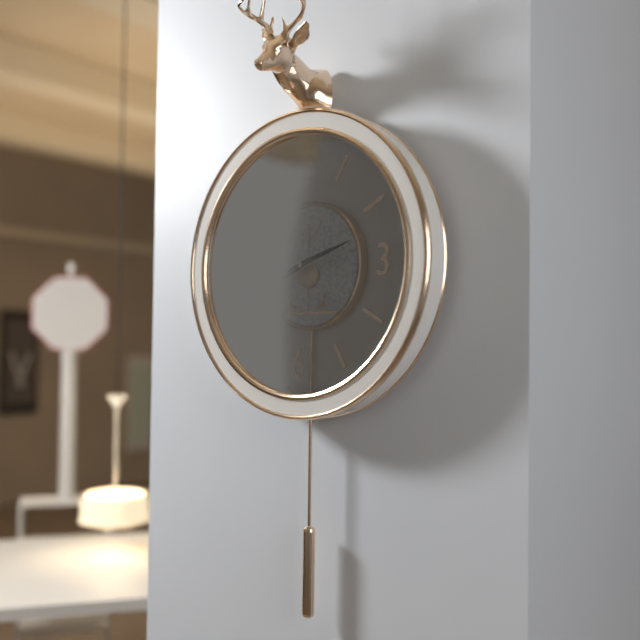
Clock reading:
8.12
